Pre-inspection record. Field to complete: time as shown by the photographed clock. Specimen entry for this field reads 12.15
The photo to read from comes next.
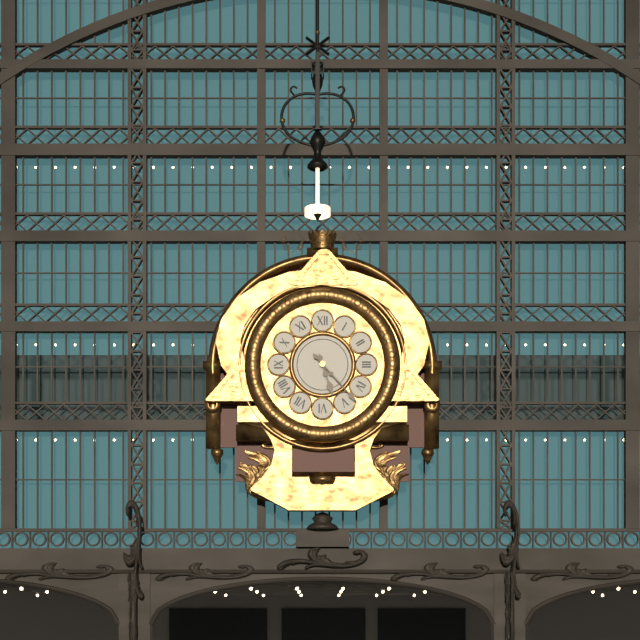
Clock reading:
5.23
